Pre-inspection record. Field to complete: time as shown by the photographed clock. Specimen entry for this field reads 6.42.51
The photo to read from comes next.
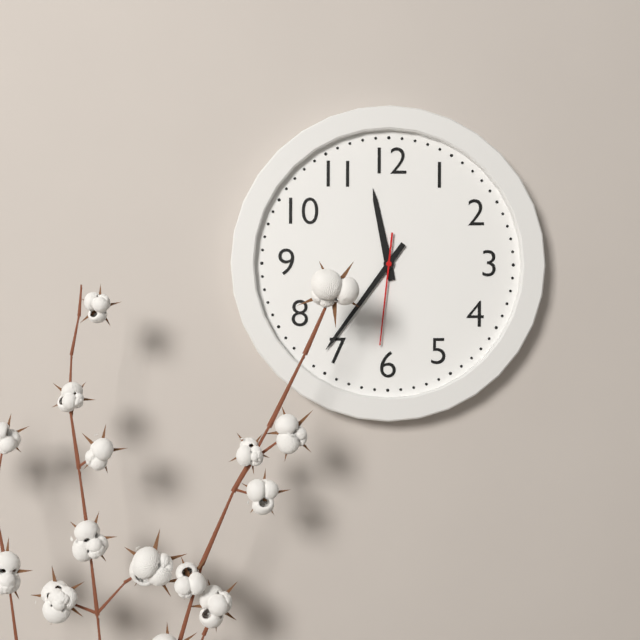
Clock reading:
11.36.31
